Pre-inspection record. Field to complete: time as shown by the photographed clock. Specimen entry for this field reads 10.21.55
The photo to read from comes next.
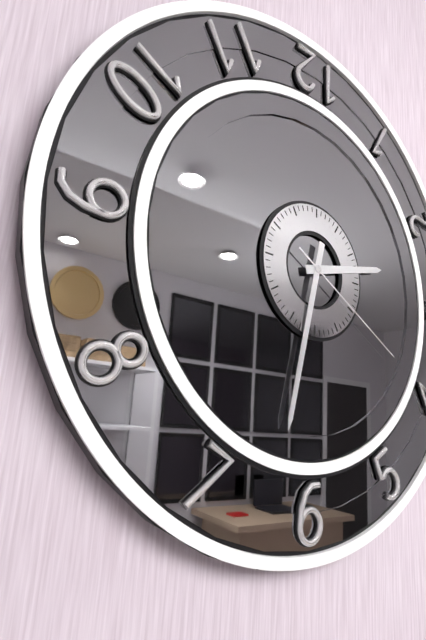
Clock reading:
2.32.20
